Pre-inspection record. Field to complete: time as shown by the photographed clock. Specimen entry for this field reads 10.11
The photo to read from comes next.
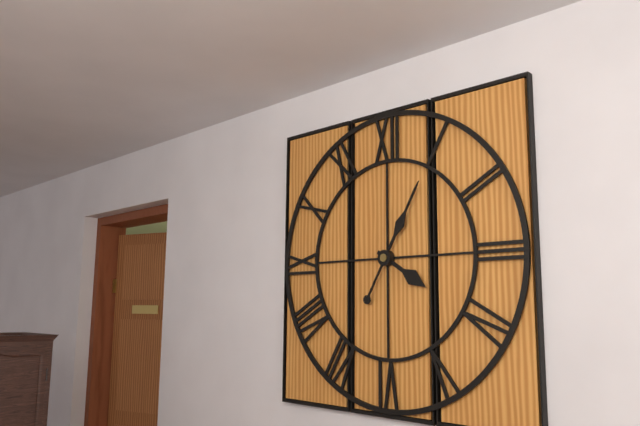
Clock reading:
4.05
